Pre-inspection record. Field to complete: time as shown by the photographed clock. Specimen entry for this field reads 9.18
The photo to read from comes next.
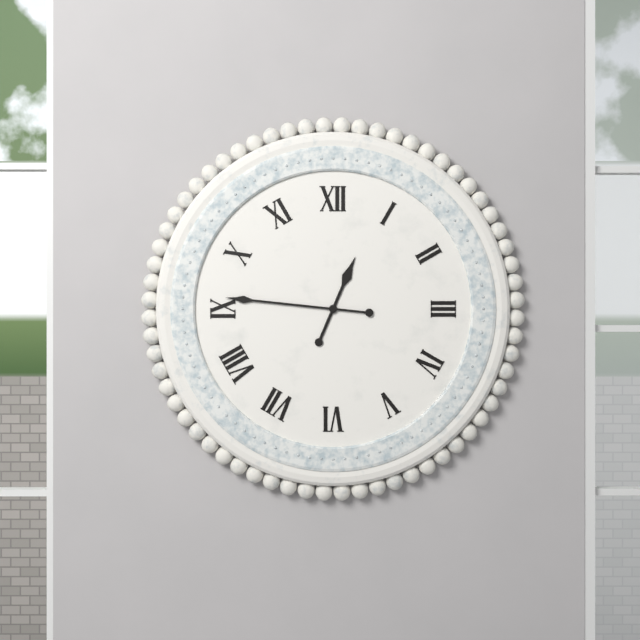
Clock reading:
12.46
